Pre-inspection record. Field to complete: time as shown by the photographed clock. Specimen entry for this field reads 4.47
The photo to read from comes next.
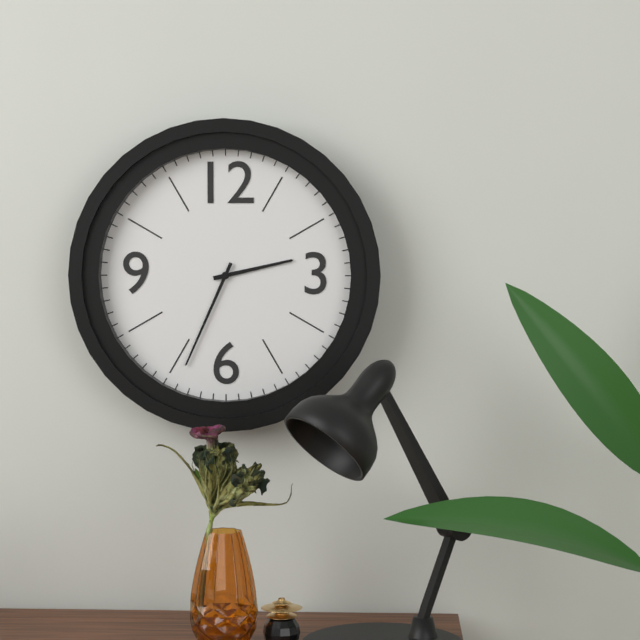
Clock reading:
2.34
